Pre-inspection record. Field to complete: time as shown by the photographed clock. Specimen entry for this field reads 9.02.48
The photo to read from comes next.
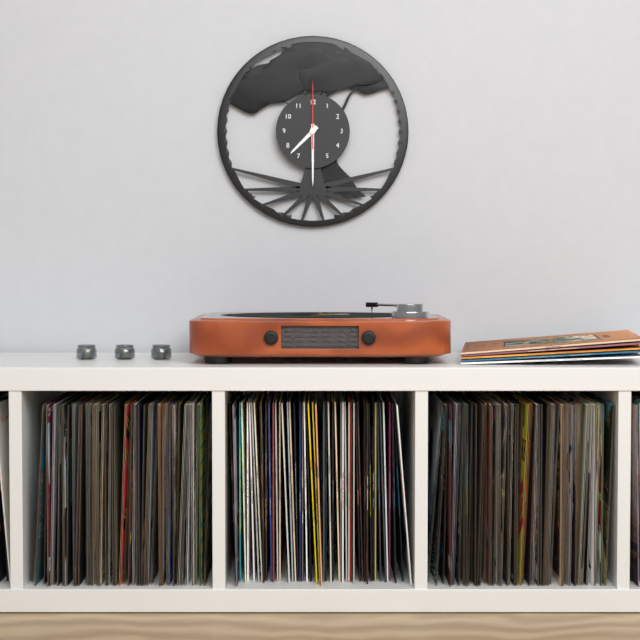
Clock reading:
7.30.00
